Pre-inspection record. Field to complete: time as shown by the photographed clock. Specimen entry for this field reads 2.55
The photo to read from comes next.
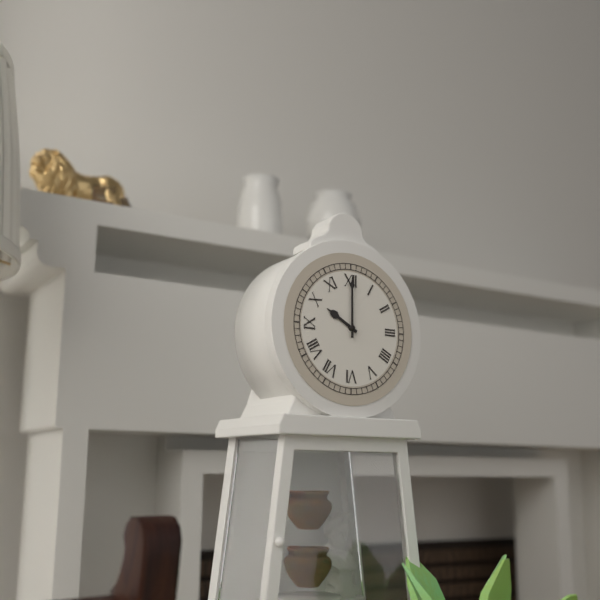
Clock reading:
10.00
